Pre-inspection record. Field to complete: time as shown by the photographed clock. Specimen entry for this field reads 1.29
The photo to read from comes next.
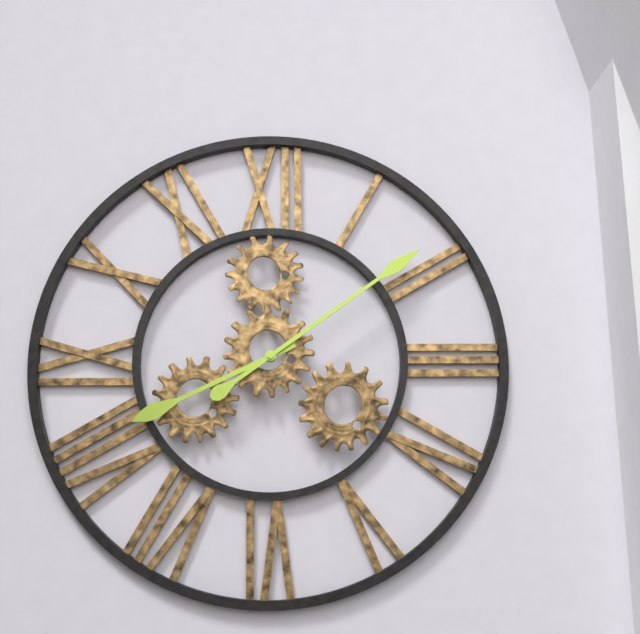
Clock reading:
8.09
